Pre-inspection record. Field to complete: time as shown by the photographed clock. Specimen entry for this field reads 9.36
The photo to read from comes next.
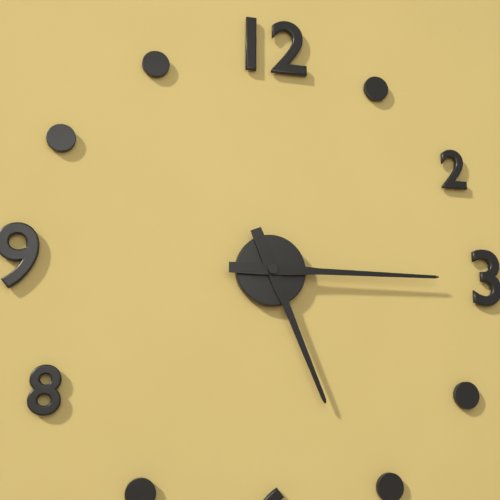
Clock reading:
5.15
